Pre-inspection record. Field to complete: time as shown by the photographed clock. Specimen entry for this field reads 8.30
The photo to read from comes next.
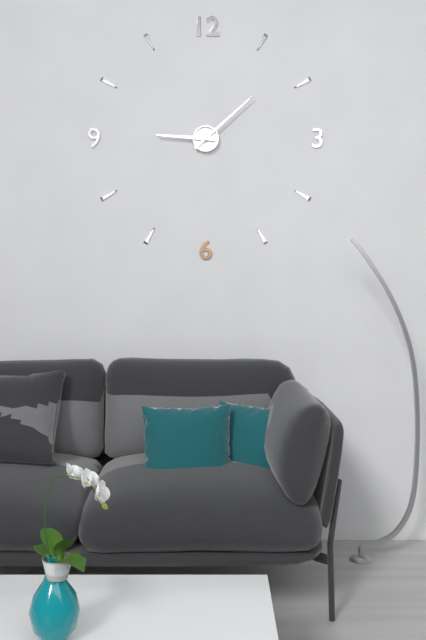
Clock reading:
9.08
